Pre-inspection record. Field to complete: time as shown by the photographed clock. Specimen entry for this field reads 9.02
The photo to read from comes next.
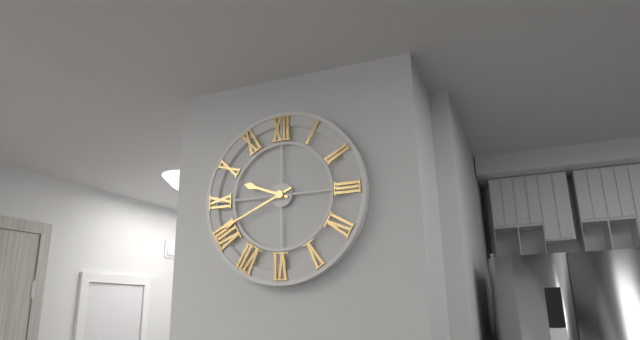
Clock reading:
9.41
